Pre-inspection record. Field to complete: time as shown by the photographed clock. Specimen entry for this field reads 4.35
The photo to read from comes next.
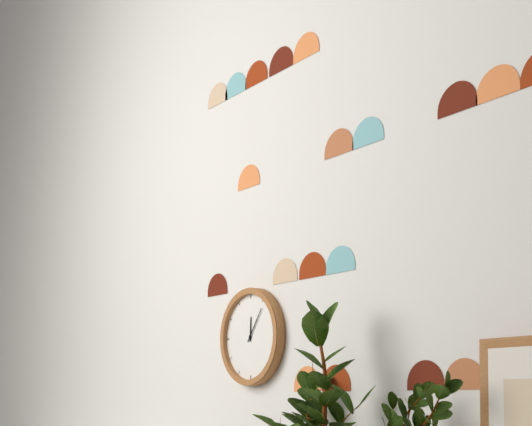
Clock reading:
12.06
